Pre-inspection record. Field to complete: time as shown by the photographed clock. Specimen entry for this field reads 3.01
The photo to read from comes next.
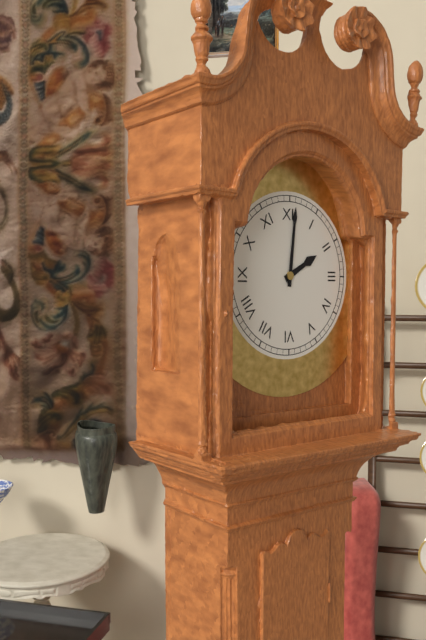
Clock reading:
2.01
